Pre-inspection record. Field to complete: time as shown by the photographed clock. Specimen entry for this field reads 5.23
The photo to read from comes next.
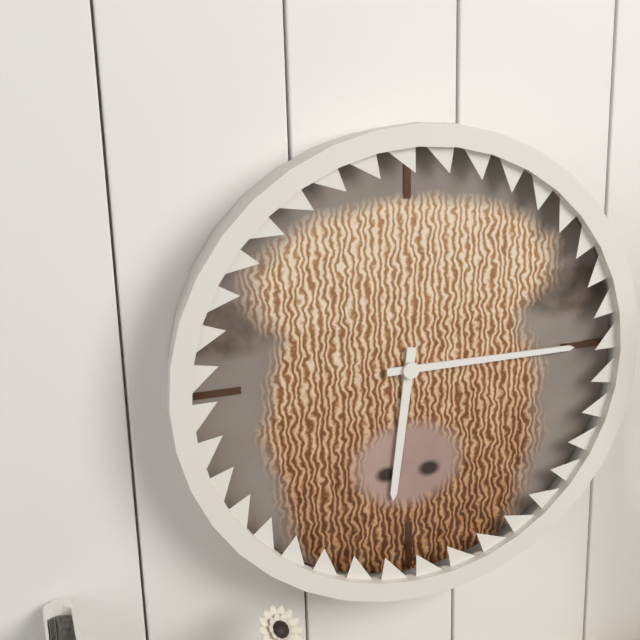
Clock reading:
6.15
